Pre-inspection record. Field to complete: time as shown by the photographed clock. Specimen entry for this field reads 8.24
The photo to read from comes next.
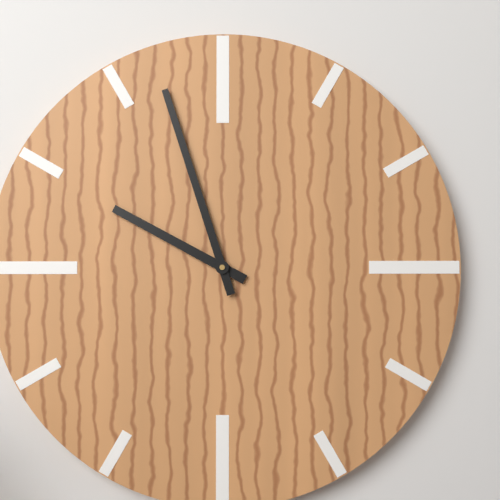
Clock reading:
9.57
